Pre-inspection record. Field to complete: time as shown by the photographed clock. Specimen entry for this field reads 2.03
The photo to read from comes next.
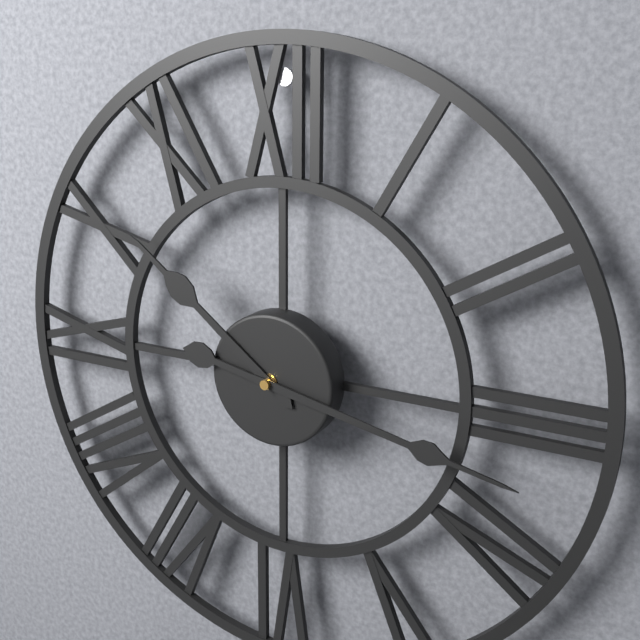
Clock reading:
10.17
